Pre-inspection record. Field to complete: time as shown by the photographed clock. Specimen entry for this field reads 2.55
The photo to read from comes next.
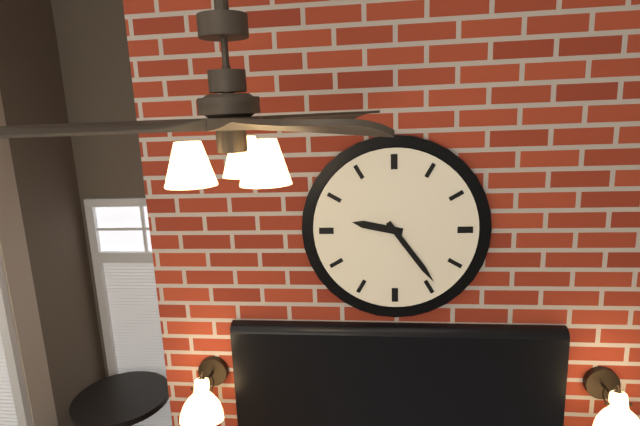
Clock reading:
9.24
